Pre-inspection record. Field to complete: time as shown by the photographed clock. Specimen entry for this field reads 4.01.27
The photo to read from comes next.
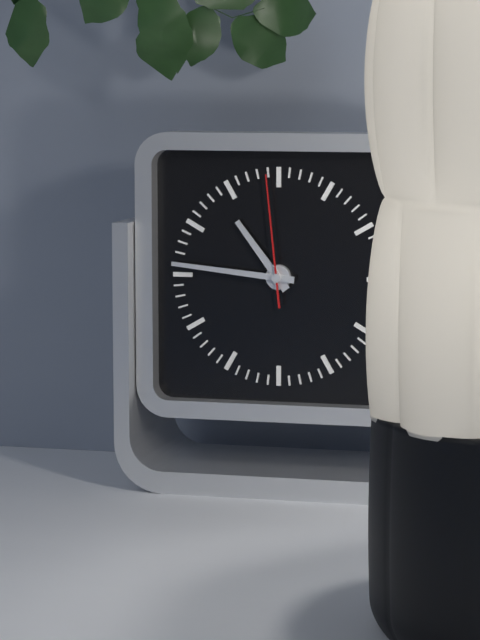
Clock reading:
10.46.59
